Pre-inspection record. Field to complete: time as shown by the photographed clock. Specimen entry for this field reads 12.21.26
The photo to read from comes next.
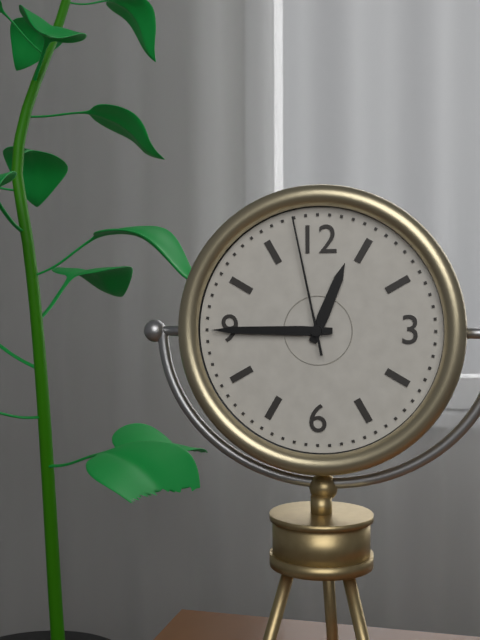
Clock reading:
12.45.58
